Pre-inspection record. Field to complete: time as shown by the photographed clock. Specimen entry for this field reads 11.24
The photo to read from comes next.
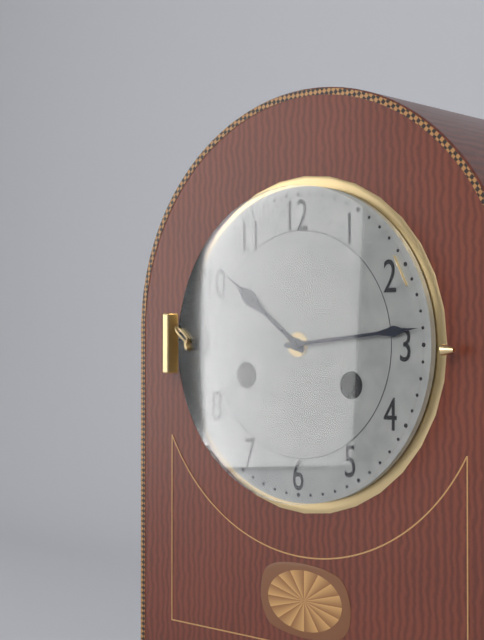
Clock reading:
10.14
